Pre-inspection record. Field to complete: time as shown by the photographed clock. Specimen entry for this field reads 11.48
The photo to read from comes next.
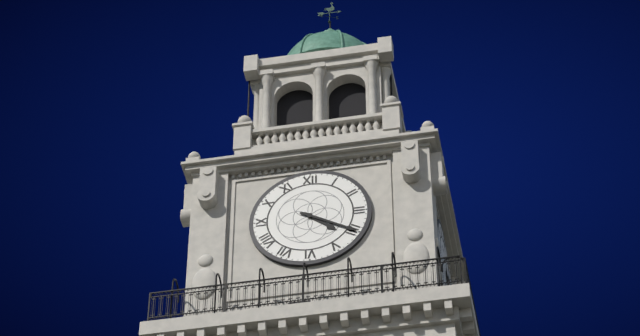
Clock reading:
4.20
